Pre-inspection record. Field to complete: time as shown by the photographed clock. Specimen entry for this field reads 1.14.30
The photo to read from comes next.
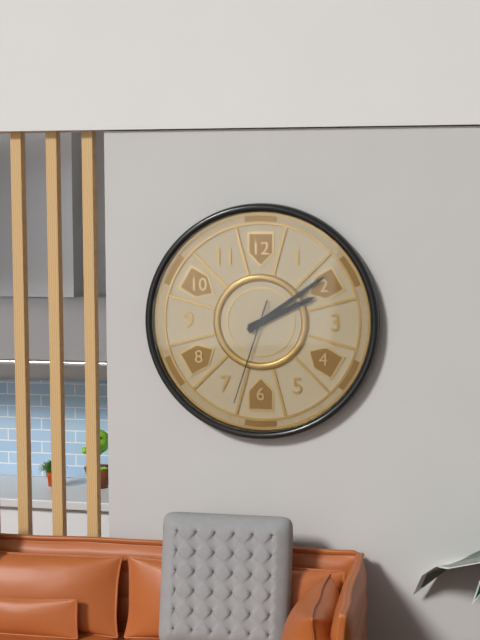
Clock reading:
2.09.33
